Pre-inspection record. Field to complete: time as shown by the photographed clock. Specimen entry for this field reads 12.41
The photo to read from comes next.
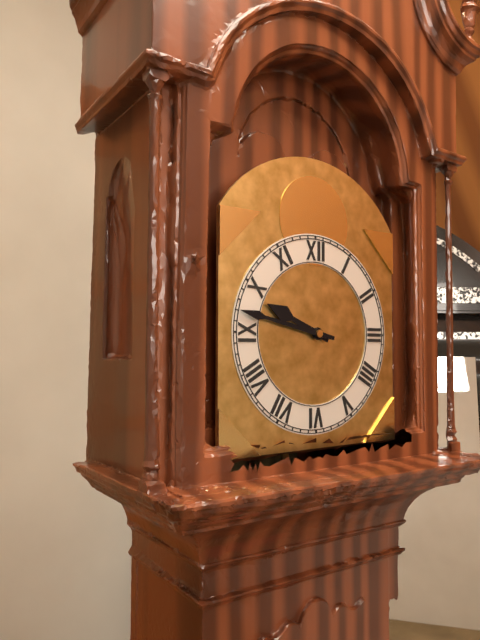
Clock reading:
9.47
